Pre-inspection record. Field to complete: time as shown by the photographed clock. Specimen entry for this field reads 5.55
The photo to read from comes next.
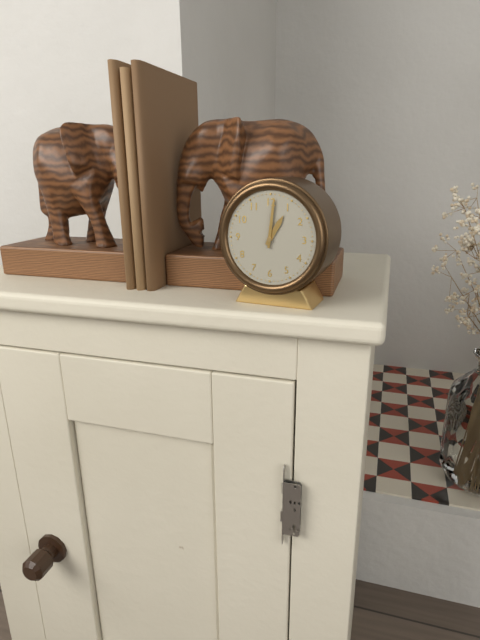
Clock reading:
1.01
